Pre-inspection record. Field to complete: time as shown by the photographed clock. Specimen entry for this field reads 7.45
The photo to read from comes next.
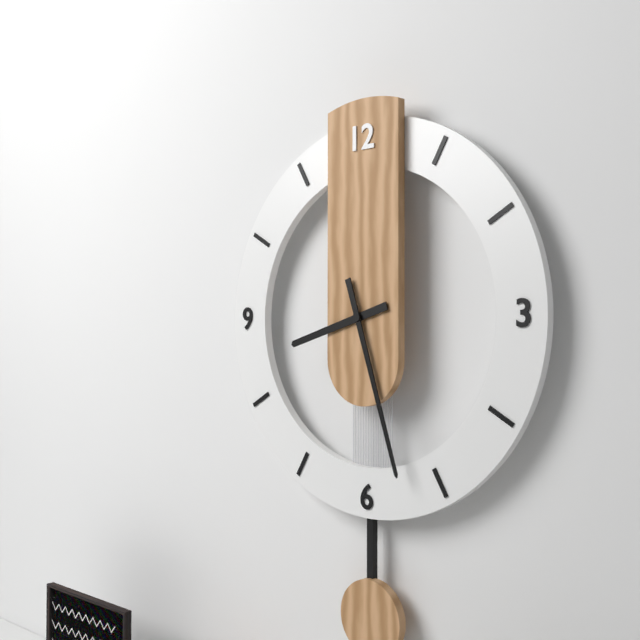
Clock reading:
8.27
